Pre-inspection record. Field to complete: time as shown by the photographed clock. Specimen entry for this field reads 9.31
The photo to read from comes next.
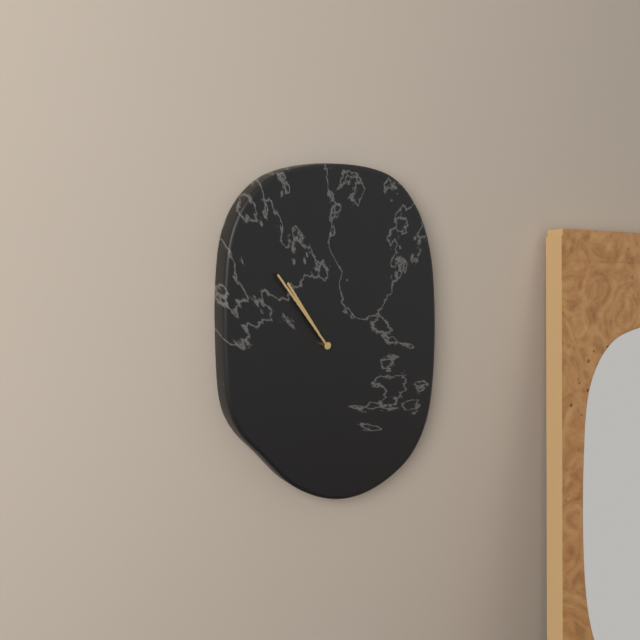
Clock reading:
10.54
